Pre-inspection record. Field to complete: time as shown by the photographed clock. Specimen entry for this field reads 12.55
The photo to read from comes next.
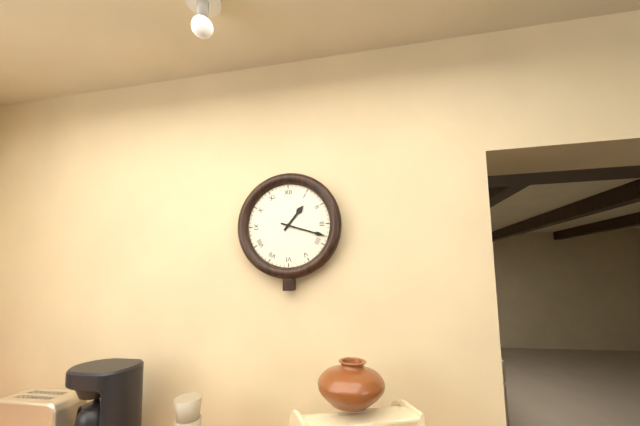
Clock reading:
1.18
